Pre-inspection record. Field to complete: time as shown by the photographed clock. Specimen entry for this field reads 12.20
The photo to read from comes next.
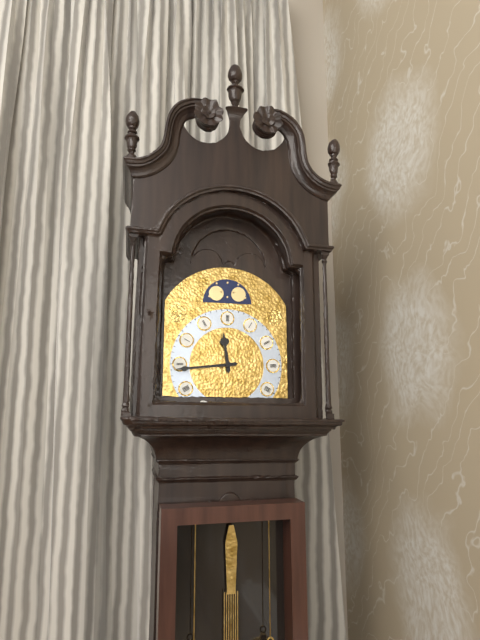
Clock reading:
11.44
